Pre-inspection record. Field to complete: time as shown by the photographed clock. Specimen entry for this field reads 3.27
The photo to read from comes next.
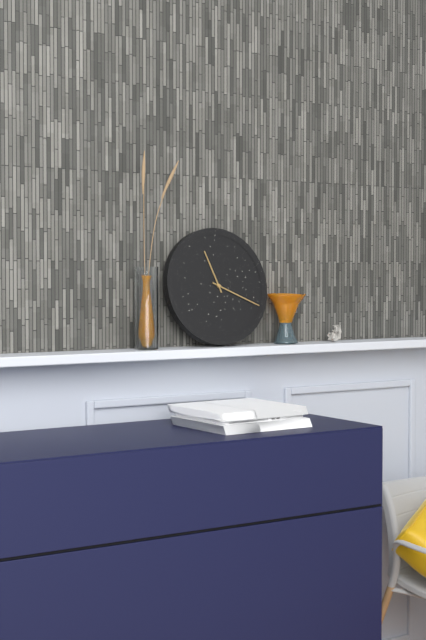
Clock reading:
11.19
